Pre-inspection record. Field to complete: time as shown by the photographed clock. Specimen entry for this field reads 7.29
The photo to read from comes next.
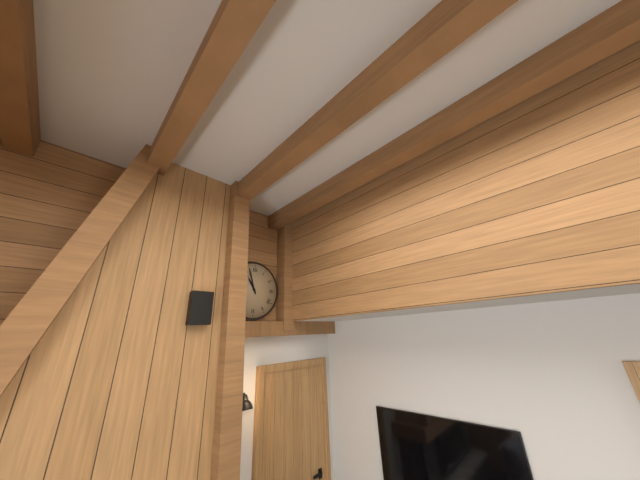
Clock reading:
10.57
